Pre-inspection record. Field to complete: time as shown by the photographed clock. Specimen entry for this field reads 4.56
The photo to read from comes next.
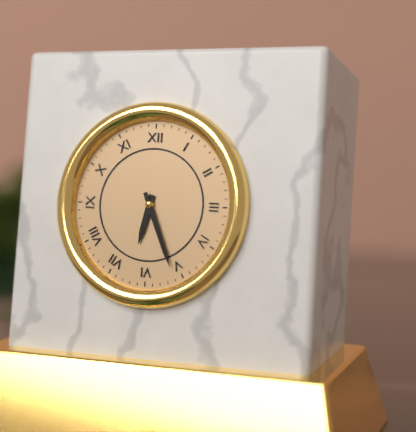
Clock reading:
6.26
